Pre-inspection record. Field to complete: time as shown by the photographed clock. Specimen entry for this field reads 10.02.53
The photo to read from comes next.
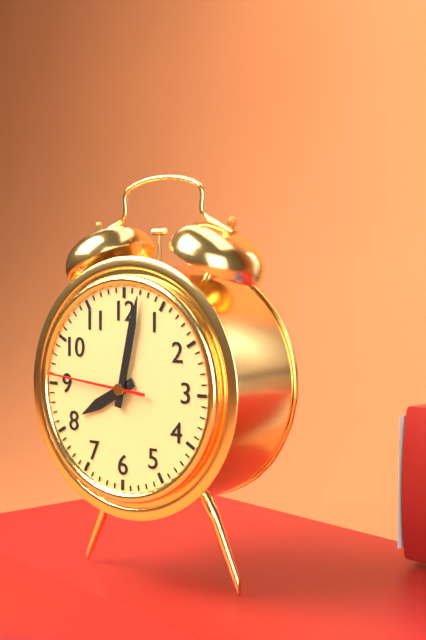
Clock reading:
8.02.46
